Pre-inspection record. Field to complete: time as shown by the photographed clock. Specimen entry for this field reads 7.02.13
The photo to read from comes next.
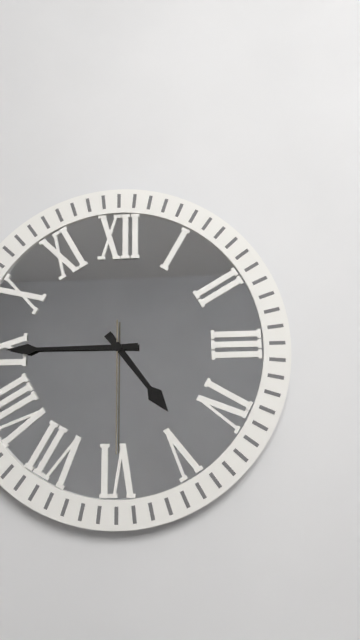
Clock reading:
4.45.30
